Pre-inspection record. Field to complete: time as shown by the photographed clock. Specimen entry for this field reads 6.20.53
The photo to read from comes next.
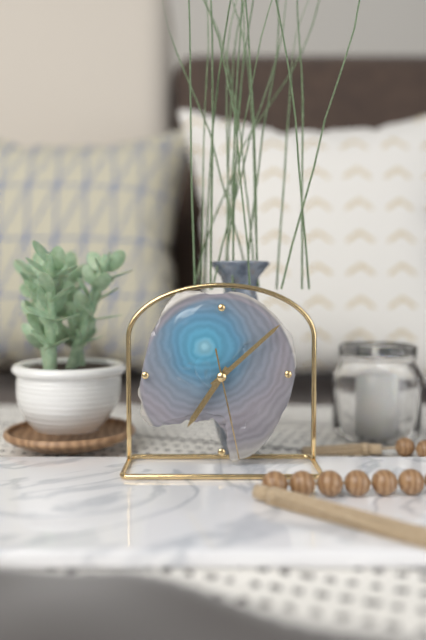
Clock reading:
7.08.28
